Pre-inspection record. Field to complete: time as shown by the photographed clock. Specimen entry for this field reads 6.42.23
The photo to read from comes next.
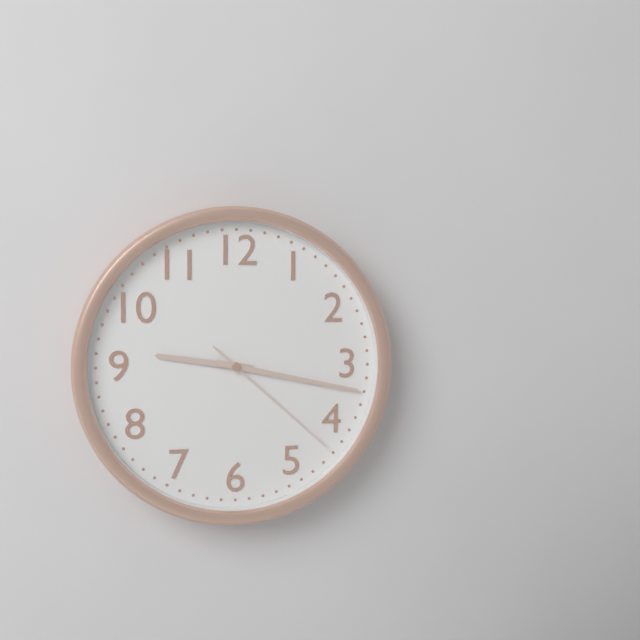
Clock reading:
9.17.22
